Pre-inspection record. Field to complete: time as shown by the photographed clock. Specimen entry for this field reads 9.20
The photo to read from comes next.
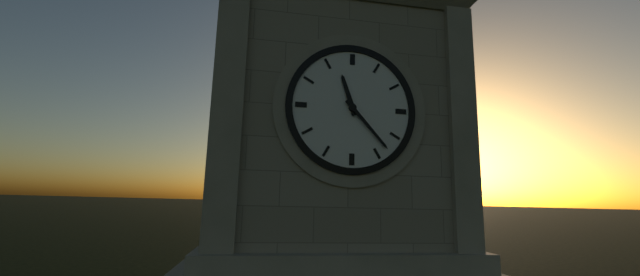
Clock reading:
11.23
